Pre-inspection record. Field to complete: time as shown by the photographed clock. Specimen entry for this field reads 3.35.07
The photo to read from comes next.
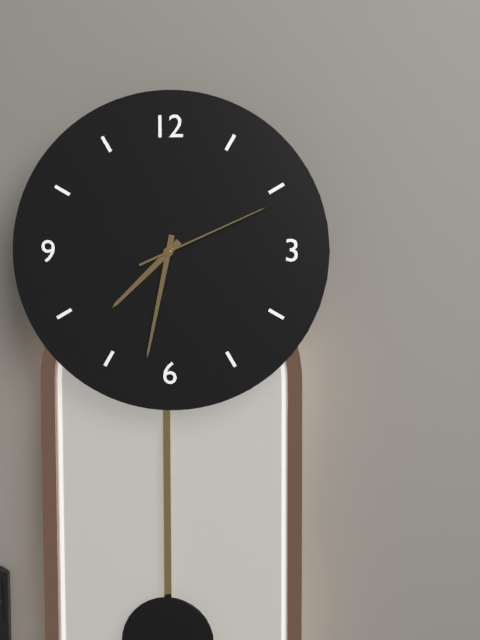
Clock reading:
7.32.11
